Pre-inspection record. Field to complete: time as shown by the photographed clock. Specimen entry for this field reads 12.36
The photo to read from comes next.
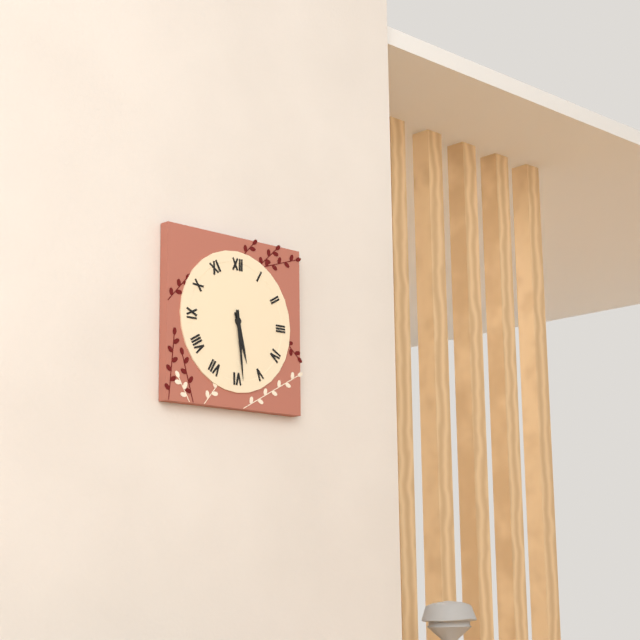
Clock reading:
5.29
